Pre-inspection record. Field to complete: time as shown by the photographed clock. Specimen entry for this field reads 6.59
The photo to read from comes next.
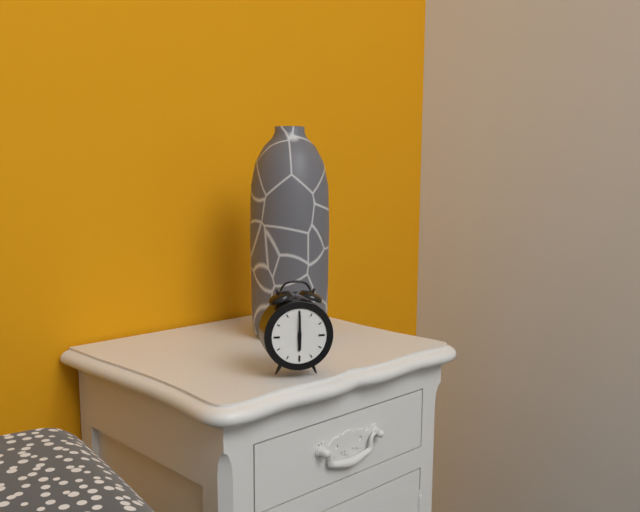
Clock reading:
6.00
